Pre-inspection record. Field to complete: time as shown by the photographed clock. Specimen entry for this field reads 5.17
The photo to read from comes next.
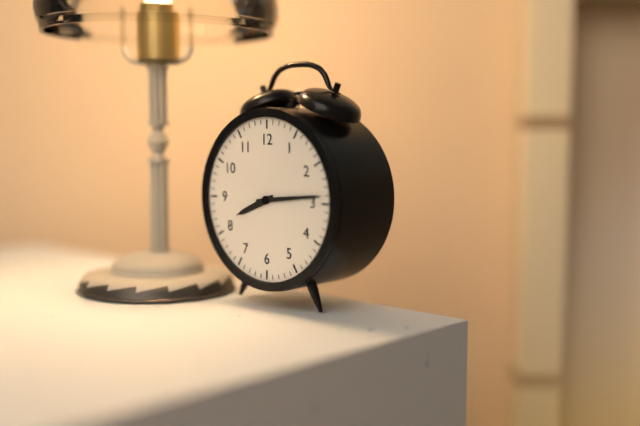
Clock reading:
8.14
